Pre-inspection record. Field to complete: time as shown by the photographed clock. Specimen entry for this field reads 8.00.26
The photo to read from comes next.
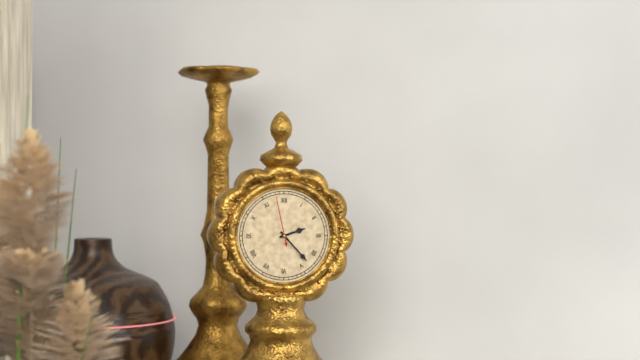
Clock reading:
2.23.58
